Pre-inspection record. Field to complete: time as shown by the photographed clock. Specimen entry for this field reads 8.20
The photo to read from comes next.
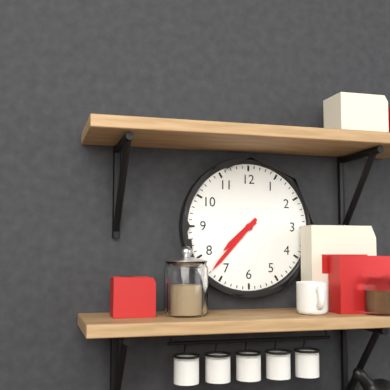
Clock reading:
7.37
